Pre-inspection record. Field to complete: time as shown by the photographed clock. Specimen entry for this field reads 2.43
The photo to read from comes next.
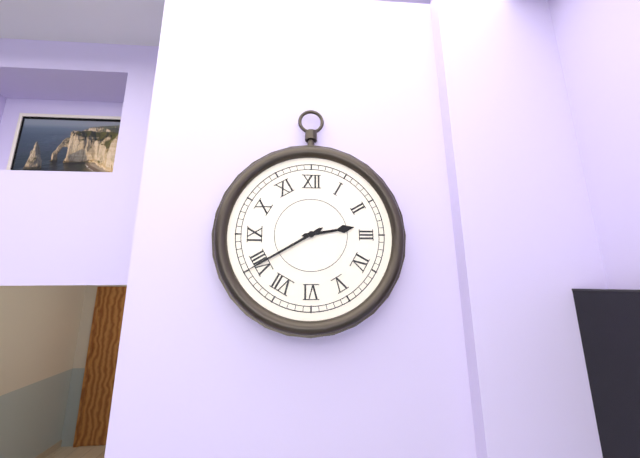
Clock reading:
2.40
